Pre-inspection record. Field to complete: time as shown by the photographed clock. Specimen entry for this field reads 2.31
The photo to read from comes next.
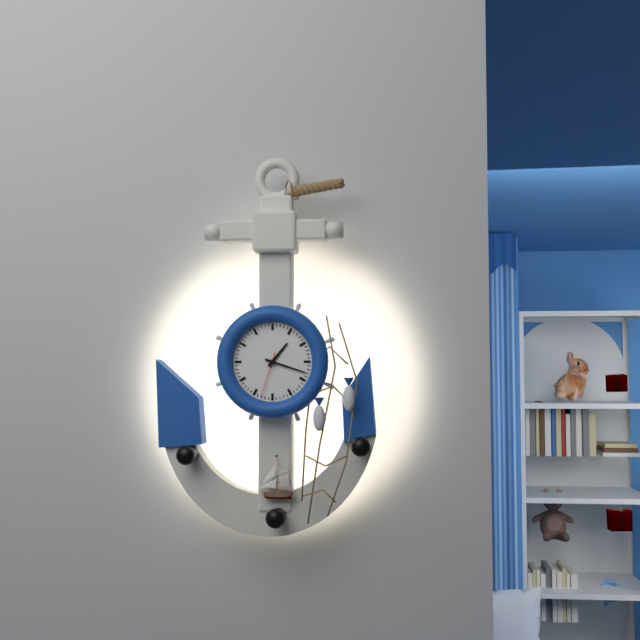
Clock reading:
1.18
